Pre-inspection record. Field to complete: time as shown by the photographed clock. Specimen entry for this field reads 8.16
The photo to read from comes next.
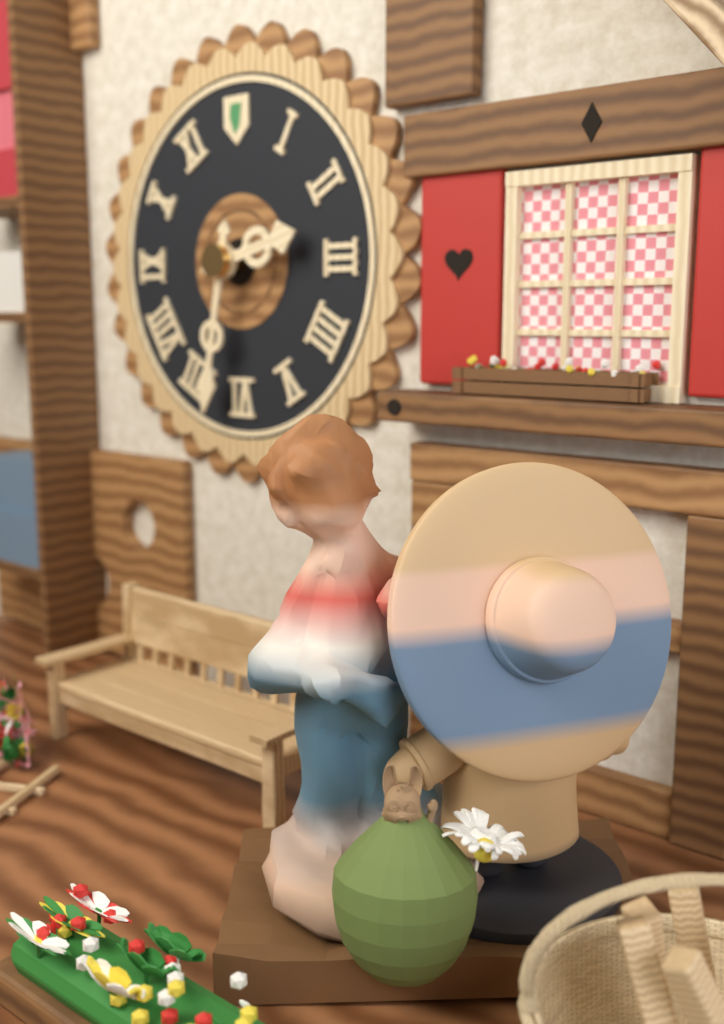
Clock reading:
2.32
